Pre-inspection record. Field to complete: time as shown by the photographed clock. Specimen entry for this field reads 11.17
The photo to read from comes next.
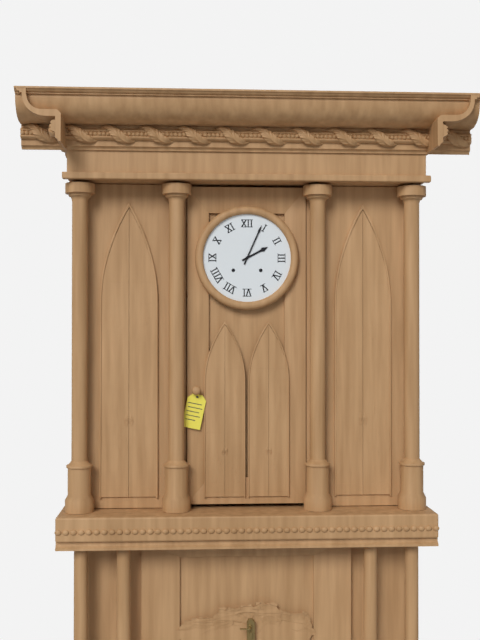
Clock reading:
2.04
